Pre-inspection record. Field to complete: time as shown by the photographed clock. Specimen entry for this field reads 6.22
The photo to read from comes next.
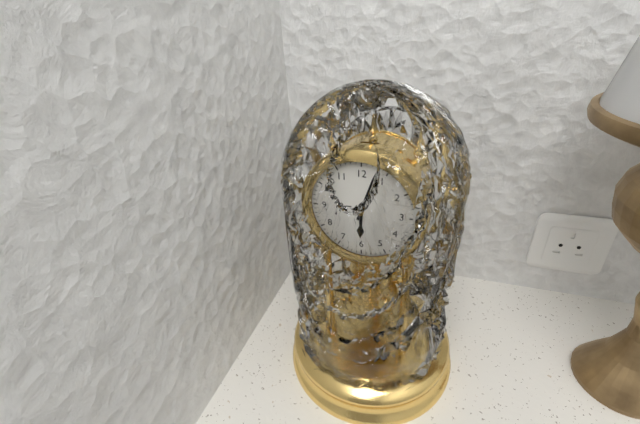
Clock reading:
6.03
